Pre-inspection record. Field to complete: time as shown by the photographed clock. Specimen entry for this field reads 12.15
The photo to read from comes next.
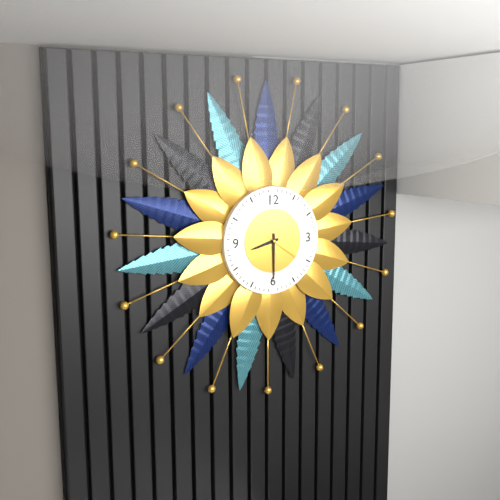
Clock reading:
8.30
